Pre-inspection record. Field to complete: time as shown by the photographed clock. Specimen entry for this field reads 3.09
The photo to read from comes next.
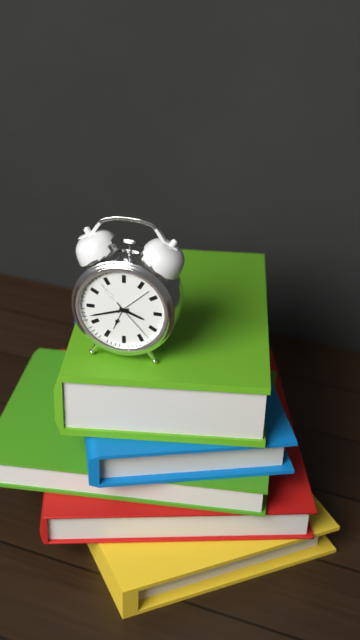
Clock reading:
3.42
